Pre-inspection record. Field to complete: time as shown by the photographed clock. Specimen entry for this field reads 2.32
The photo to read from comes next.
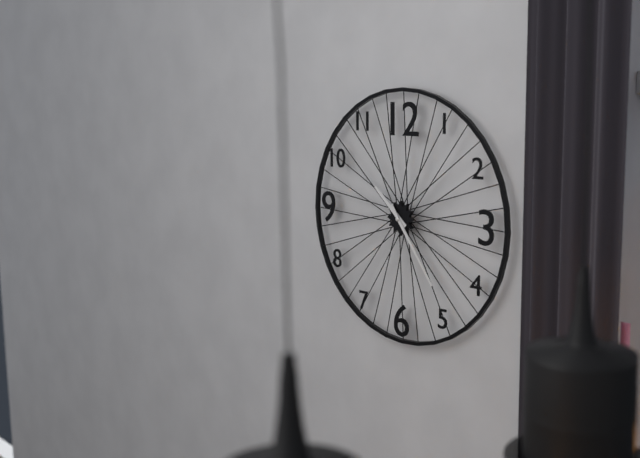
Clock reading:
10.24
